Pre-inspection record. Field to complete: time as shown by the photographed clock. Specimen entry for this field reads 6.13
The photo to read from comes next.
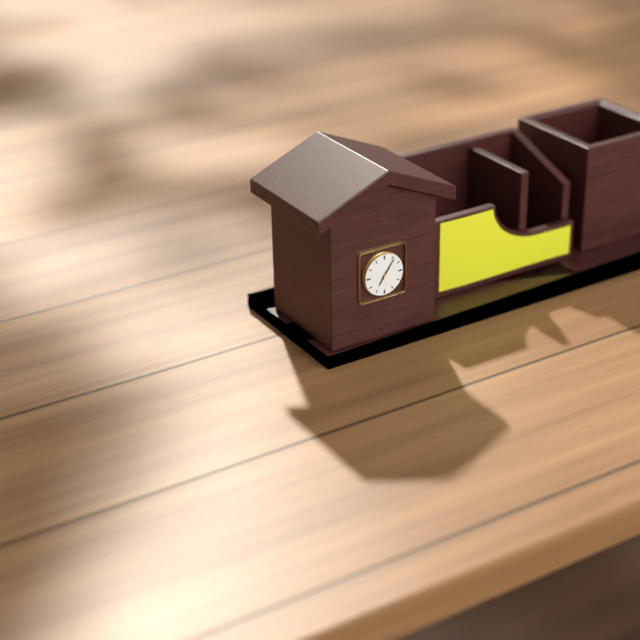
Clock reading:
7.06
